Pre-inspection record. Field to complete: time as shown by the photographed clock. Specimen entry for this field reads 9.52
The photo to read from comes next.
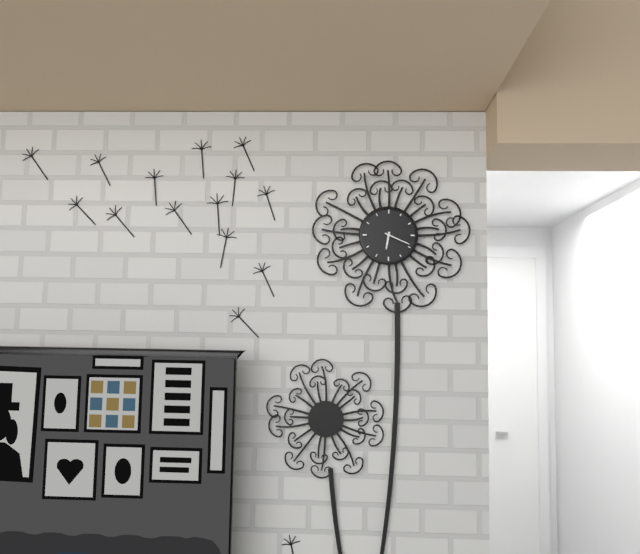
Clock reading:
6.19
